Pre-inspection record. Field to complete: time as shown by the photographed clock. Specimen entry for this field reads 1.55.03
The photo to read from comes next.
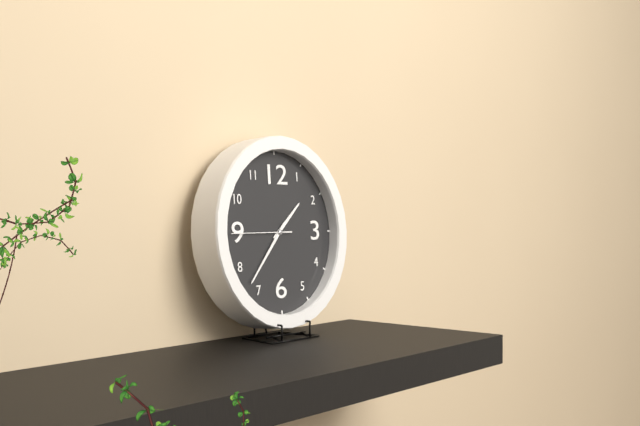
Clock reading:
1.37.45
